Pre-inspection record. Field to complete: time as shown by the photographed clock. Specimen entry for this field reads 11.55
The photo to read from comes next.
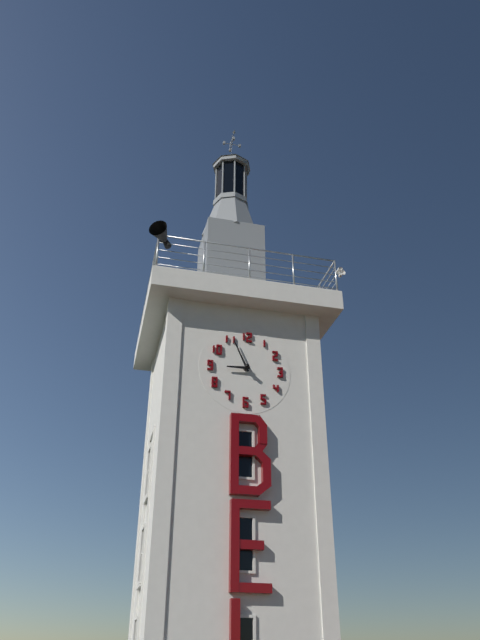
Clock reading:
8.56
